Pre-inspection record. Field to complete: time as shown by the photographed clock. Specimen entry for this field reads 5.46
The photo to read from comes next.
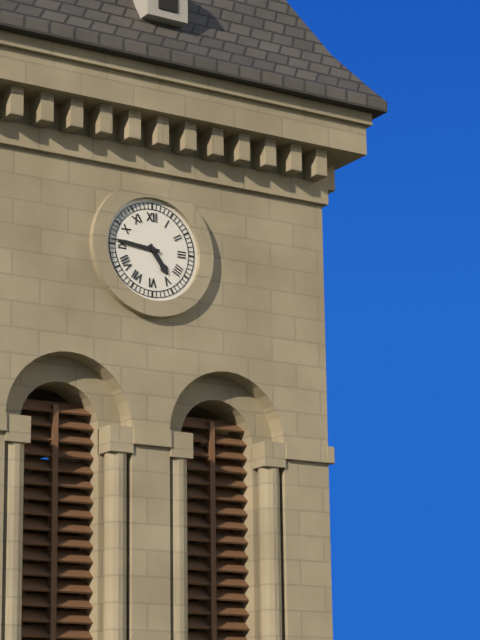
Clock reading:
4.46
